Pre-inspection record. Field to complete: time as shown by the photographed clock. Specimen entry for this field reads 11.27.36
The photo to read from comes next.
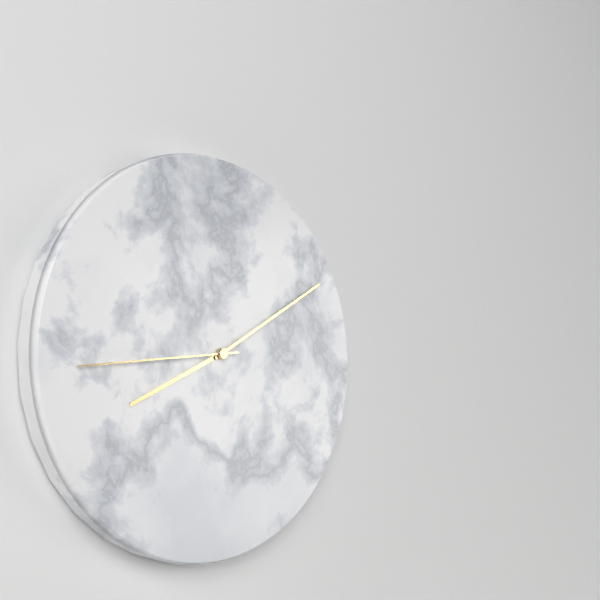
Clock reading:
8.10.44
